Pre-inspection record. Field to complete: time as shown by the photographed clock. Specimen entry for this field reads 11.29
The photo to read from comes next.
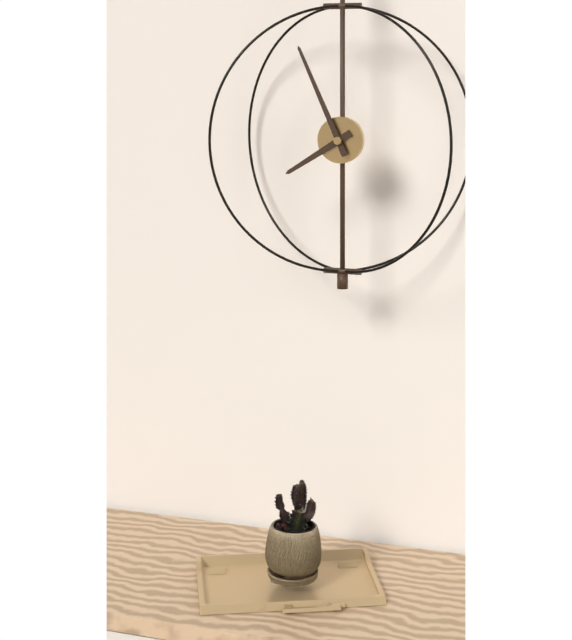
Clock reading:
7.56
